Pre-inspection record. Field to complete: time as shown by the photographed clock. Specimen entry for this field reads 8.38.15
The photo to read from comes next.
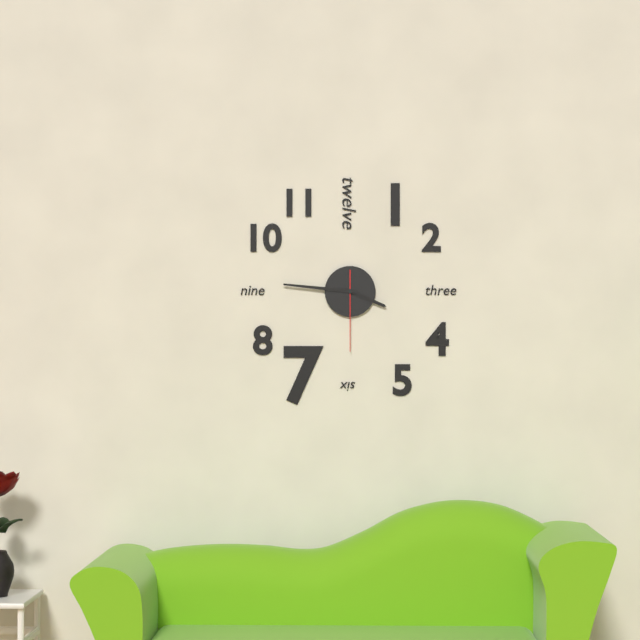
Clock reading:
3.46.30
